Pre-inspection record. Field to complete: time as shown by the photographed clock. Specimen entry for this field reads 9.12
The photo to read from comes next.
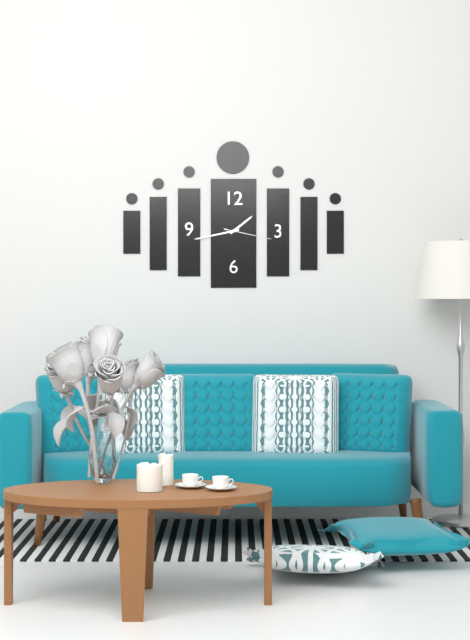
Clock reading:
1.43
